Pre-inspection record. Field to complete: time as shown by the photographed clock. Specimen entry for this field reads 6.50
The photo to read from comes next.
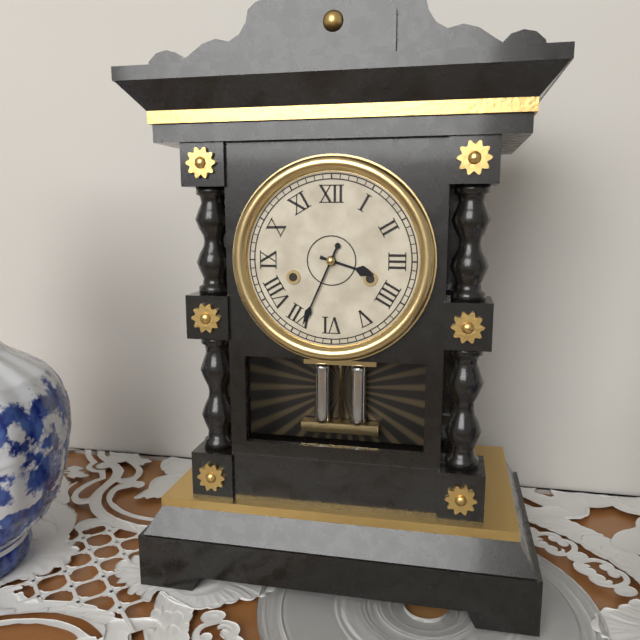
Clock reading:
3.34
